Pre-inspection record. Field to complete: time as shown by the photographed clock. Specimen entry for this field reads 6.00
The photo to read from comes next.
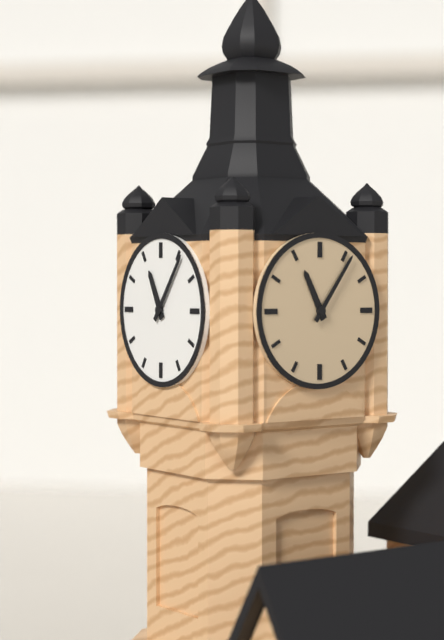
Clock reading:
11.06
